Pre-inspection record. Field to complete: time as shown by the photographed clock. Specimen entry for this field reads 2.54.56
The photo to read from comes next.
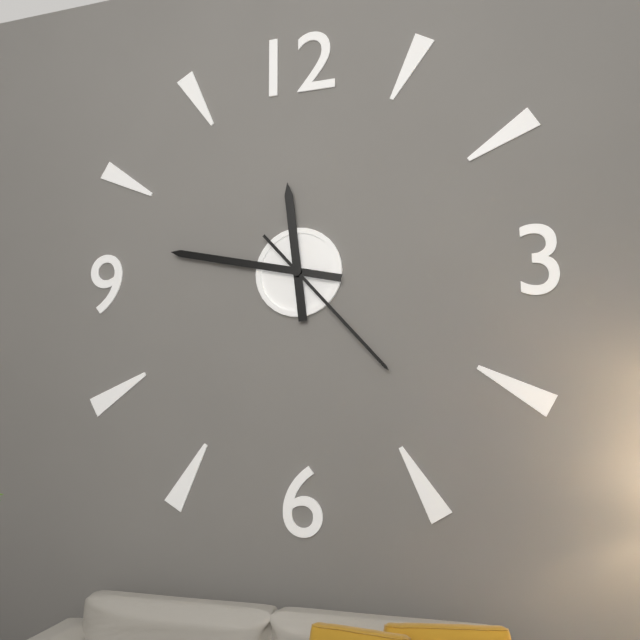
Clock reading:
11.47.23
